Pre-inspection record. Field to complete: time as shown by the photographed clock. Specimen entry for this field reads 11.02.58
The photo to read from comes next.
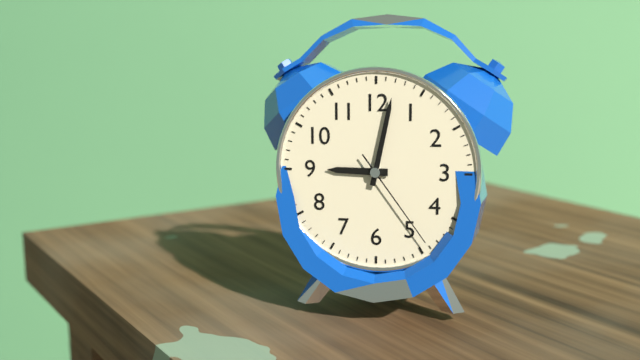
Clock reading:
9.02.24
